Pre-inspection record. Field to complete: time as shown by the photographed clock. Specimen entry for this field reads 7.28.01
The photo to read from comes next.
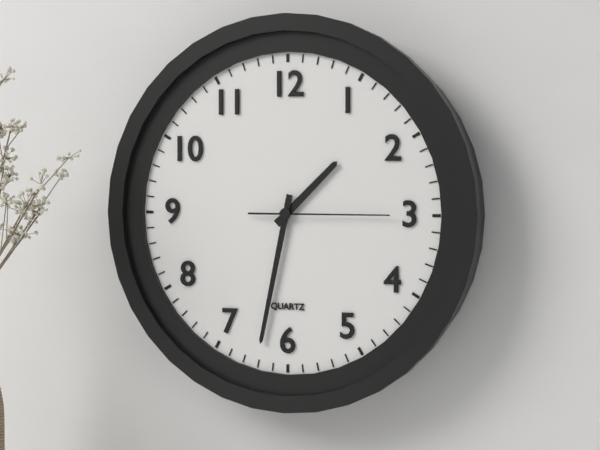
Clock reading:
1.32.15
